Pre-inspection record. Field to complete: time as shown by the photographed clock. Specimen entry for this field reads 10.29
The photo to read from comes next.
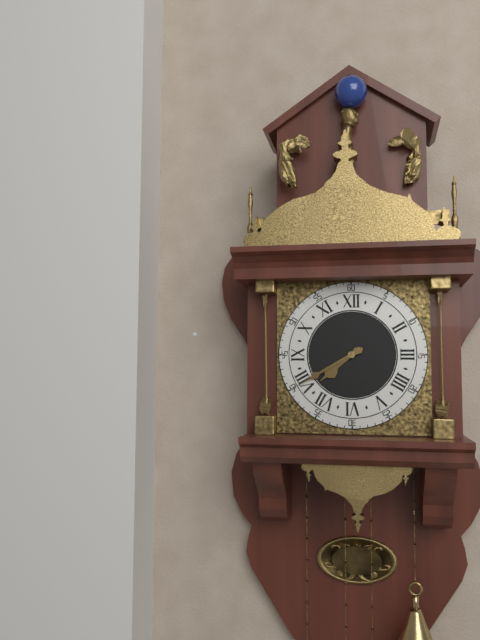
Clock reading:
7.40
